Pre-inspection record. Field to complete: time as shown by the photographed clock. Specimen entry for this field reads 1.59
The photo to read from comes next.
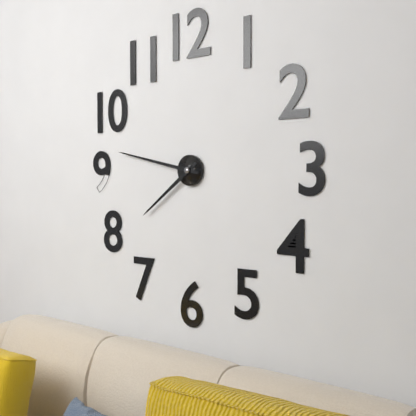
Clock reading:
7.47
